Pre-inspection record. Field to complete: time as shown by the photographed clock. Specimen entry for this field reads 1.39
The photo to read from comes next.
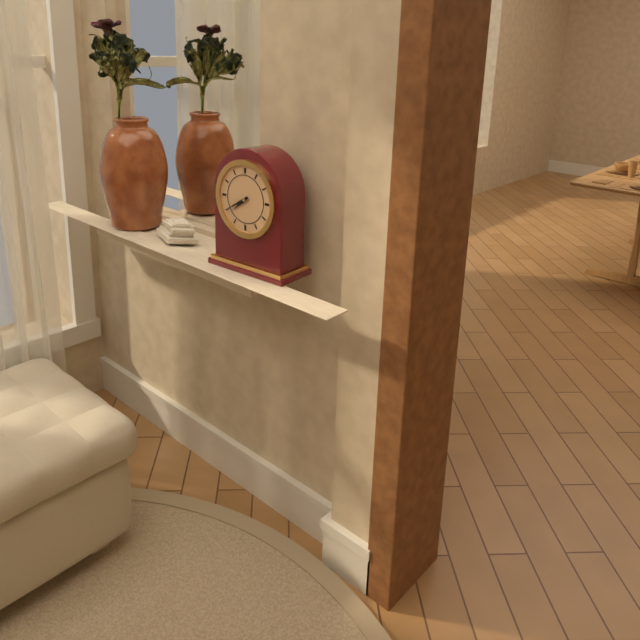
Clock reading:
7.40
